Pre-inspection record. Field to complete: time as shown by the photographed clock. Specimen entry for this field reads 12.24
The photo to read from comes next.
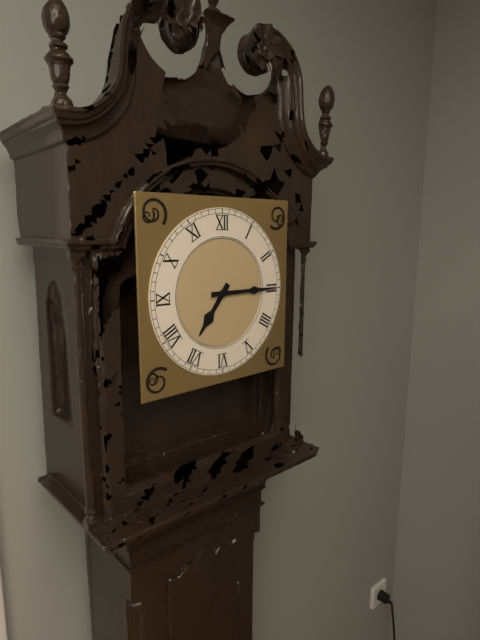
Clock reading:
7.15
